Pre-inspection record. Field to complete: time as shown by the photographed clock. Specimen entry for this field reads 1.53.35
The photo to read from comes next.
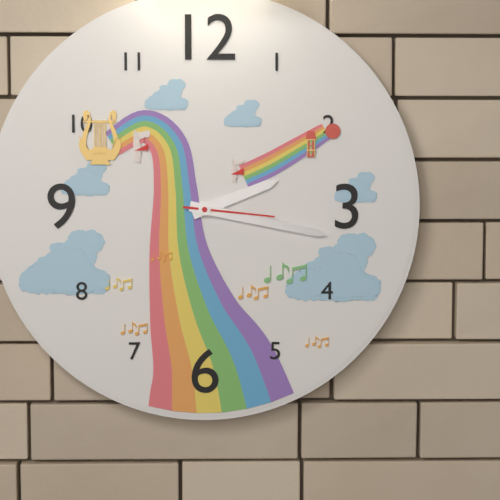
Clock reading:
2.17.16
